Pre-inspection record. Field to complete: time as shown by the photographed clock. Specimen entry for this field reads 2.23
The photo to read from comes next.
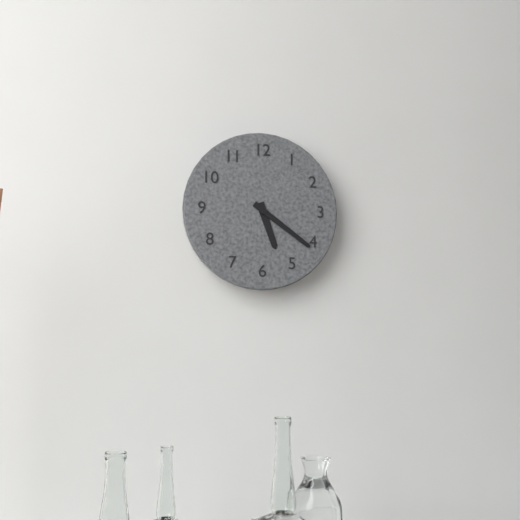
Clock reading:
5.21
